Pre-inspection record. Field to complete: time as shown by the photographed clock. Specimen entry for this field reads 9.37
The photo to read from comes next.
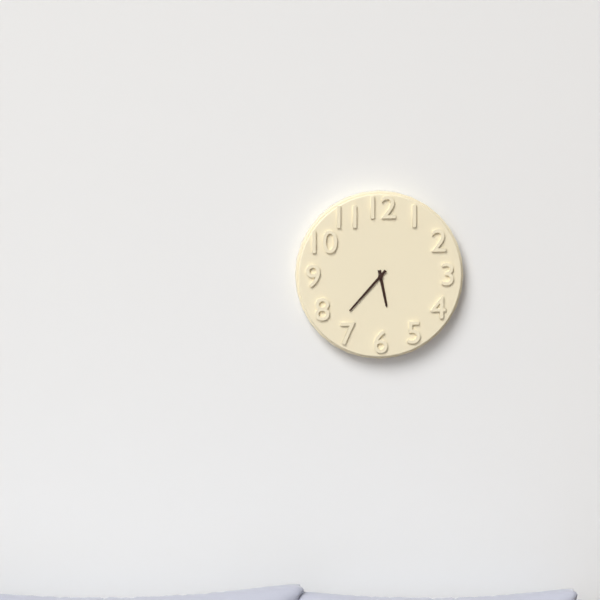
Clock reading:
5.37
